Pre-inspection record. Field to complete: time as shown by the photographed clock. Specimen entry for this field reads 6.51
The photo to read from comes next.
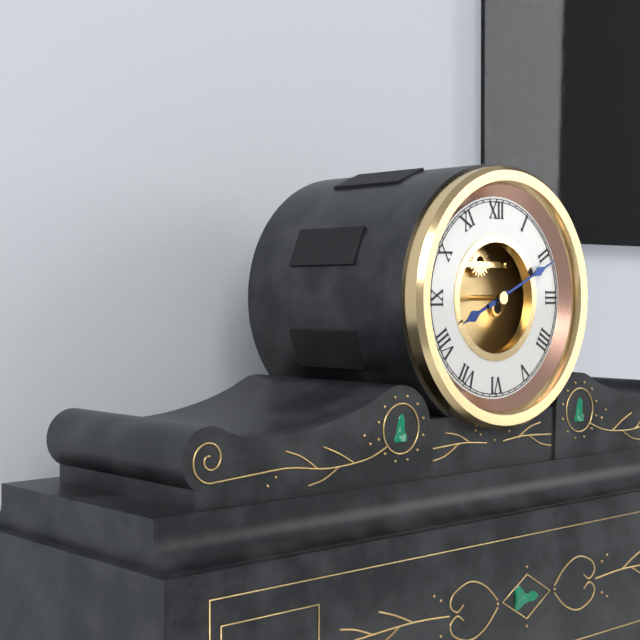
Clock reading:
8.11
